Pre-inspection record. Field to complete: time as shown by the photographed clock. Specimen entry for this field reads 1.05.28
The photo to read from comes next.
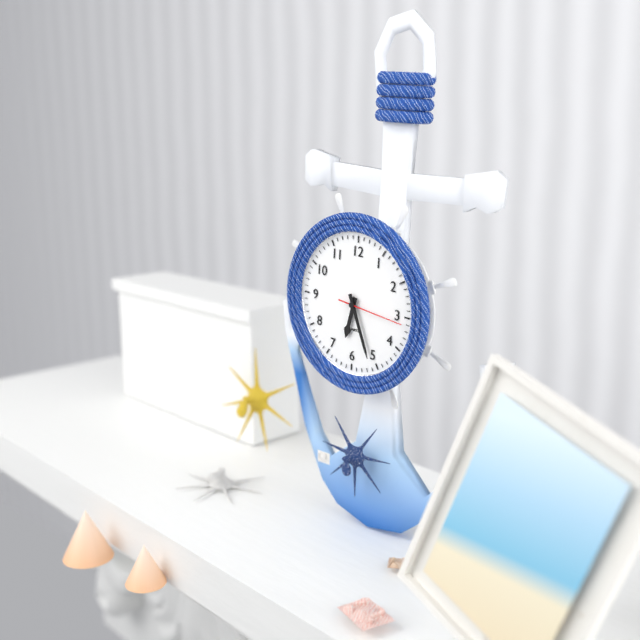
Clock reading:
6.26.16
